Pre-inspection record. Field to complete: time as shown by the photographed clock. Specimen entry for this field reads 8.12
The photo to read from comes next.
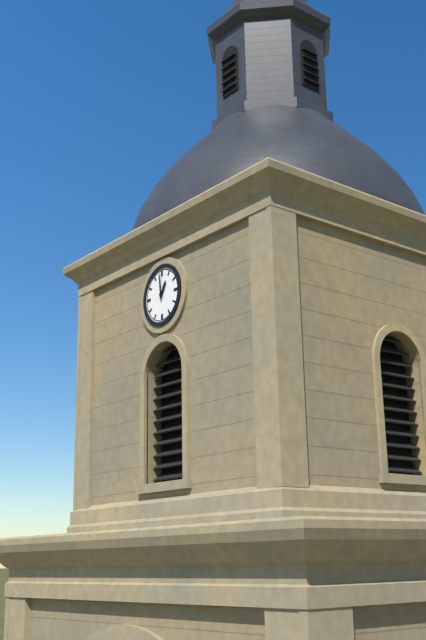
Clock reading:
12.59
